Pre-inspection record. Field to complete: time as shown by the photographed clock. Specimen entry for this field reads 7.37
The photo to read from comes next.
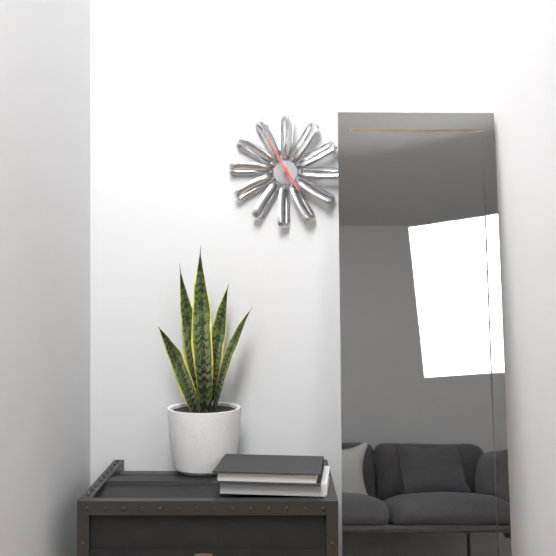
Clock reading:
4.55
